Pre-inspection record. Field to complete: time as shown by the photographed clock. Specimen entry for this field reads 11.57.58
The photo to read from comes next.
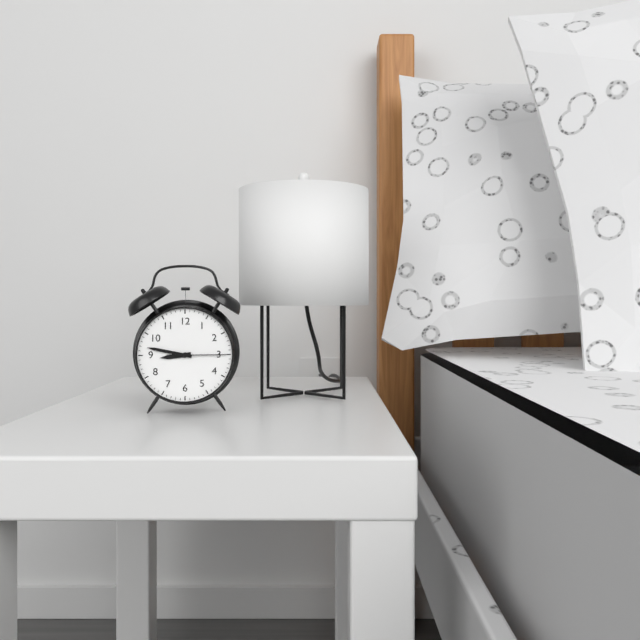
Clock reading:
8.47.15
